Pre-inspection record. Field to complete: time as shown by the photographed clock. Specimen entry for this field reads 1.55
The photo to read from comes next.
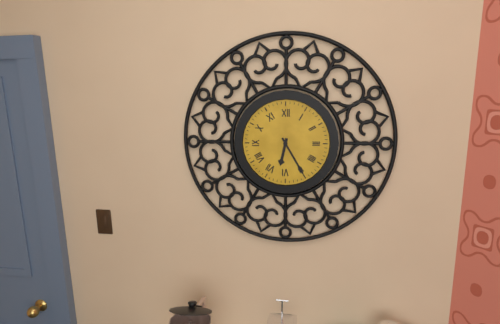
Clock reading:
6.25
